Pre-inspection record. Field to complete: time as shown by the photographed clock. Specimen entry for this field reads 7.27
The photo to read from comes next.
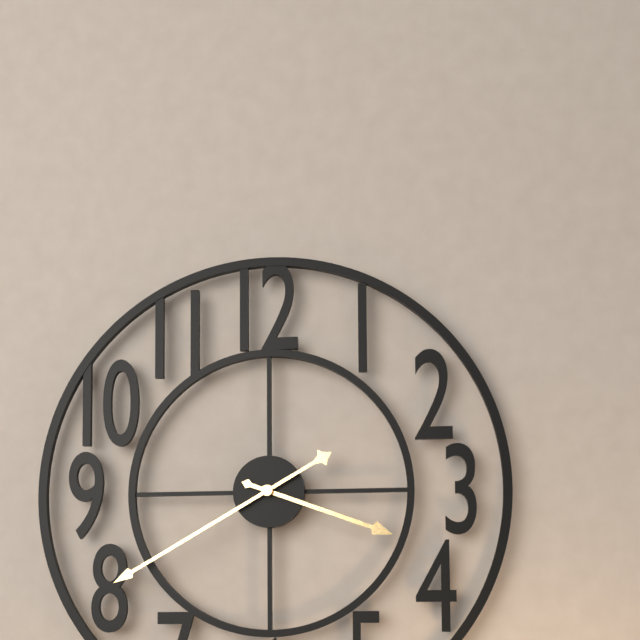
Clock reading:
3.40
